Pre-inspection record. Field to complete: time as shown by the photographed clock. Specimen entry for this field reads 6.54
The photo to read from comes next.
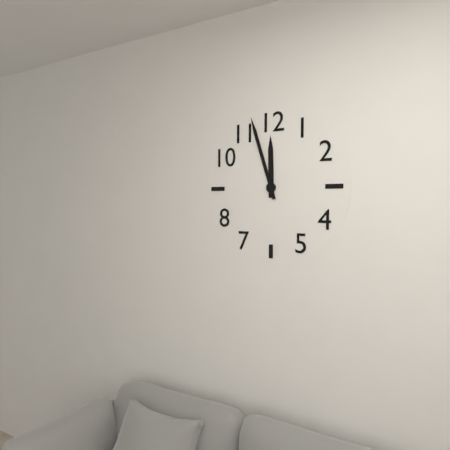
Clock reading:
11.57
